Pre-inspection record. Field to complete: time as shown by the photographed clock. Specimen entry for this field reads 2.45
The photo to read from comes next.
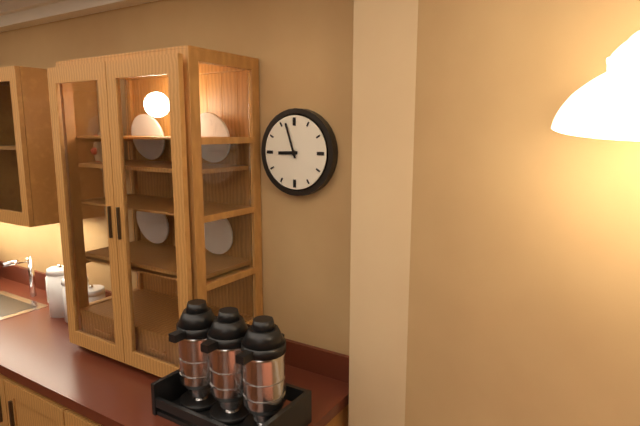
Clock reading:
8.57
